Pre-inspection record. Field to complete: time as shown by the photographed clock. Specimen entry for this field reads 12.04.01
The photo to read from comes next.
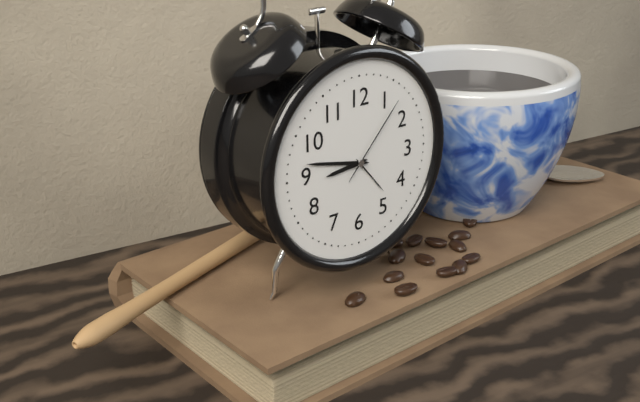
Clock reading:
8.47.07
